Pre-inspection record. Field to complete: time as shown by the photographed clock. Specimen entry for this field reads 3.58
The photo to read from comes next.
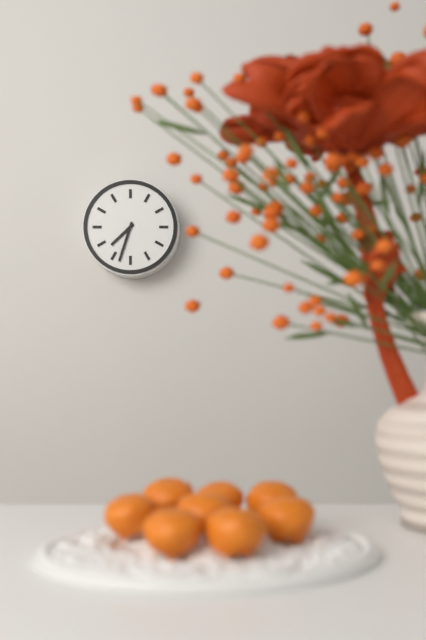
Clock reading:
7.33
